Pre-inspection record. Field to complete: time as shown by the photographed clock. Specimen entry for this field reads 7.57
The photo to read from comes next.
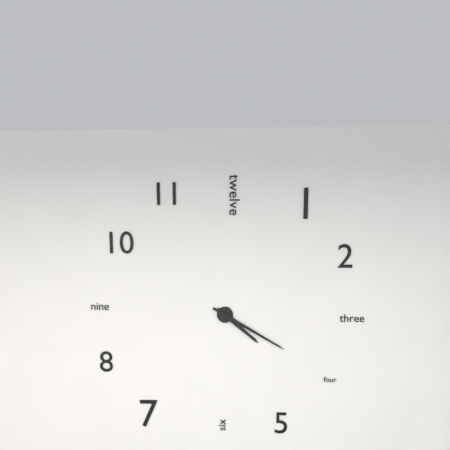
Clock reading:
4.20
